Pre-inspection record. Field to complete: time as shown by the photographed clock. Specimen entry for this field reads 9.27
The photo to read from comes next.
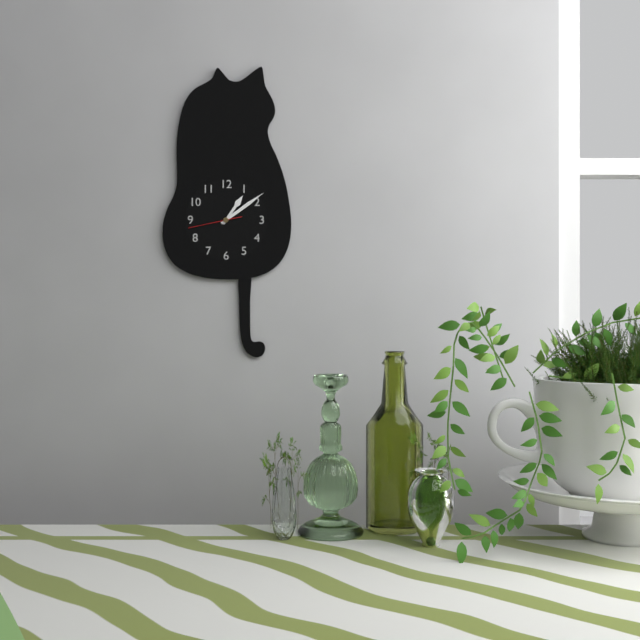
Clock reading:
1.09
